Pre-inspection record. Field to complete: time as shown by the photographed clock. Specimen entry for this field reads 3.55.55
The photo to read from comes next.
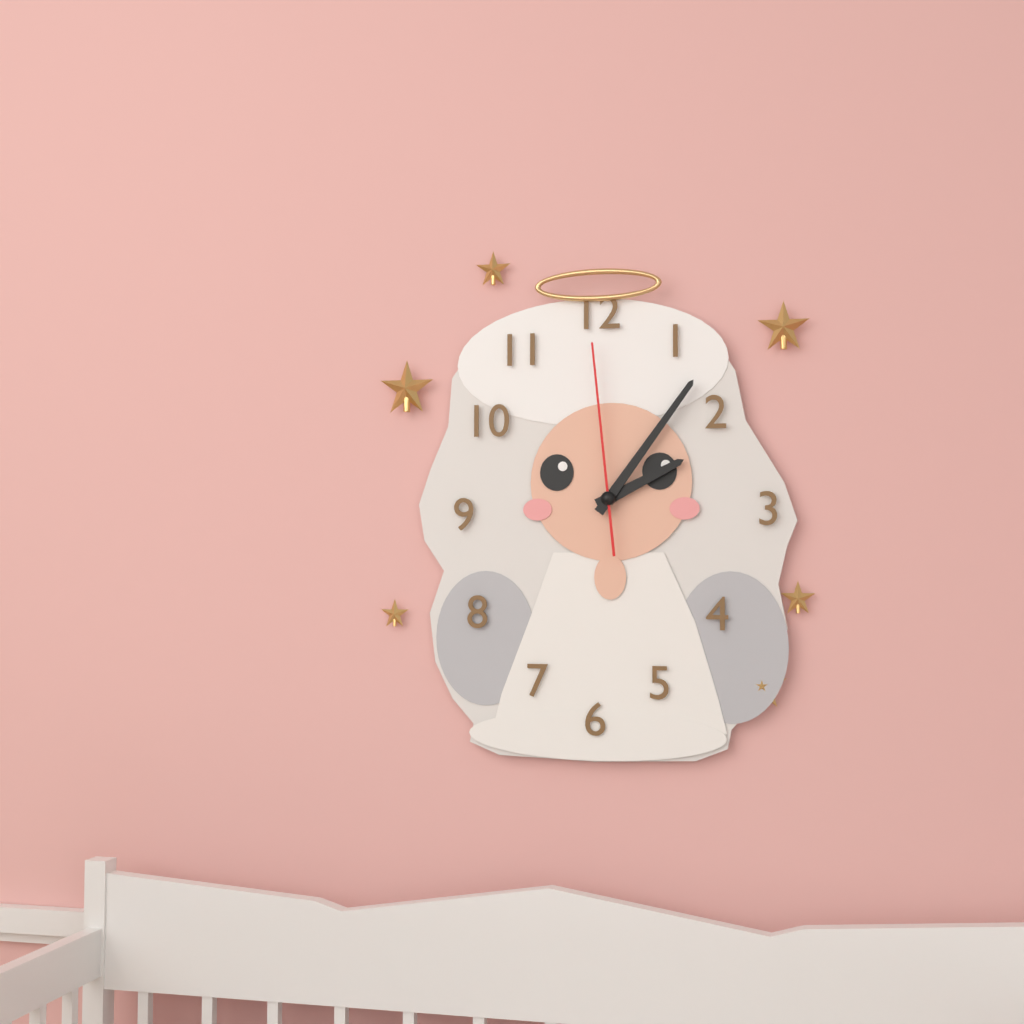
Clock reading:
2.06.59
